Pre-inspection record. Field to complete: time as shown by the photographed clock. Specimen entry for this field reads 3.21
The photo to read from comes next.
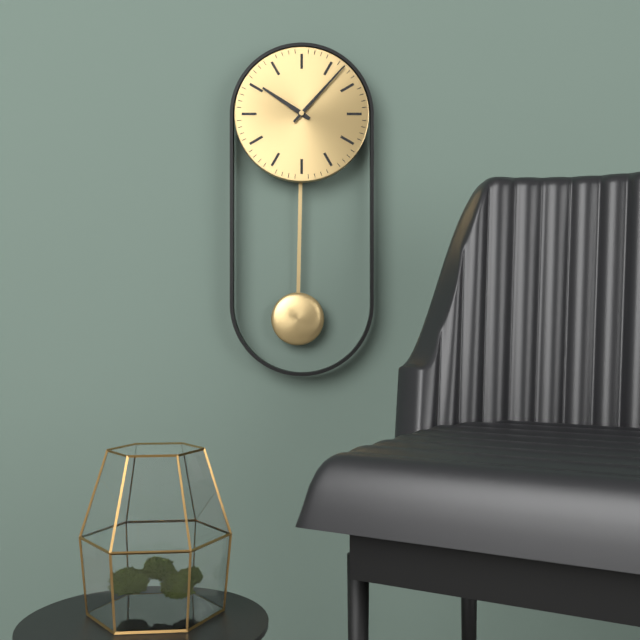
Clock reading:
10.07
